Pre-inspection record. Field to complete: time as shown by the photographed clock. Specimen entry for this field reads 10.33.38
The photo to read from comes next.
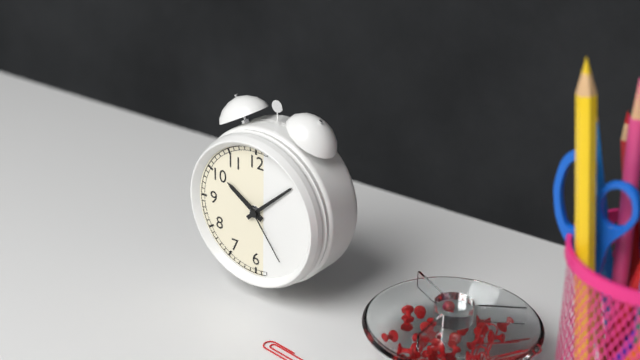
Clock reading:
10.08.24
